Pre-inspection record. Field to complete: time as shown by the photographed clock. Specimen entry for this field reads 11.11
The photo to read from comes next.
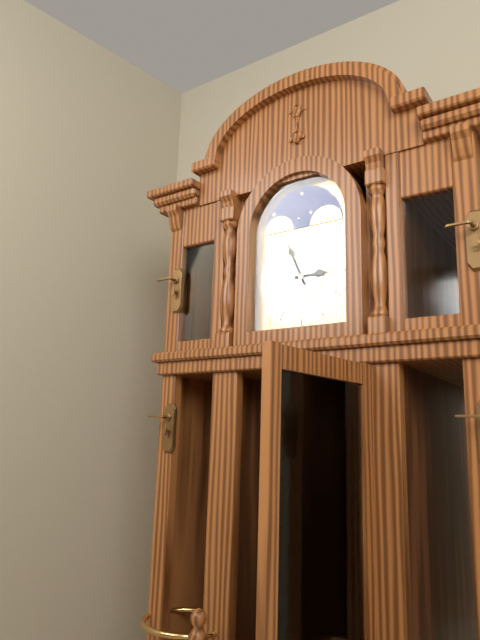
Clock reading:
2.56
